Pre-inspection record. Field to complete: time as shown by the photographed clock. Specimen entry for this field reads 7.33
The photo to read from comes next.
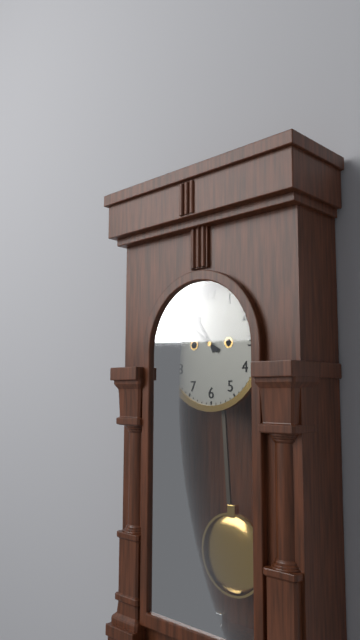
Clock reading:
10.51
